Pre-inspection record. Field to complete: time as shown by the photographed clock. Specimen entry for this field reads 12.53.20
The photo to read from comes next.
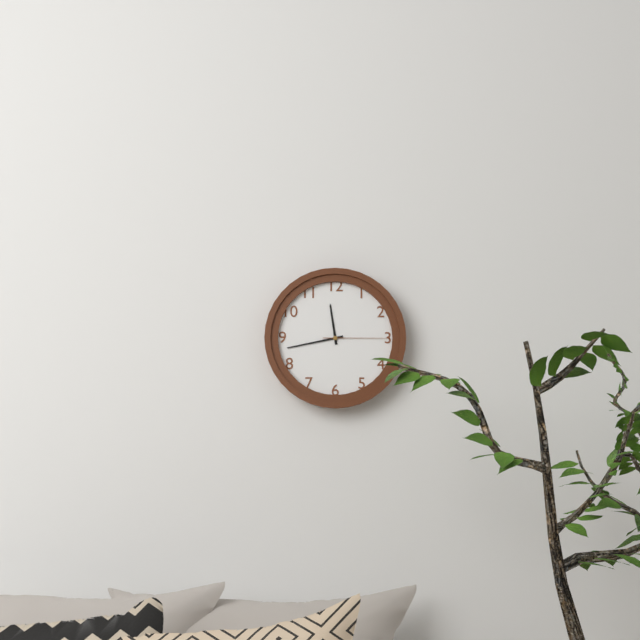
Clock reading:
11.43.15
